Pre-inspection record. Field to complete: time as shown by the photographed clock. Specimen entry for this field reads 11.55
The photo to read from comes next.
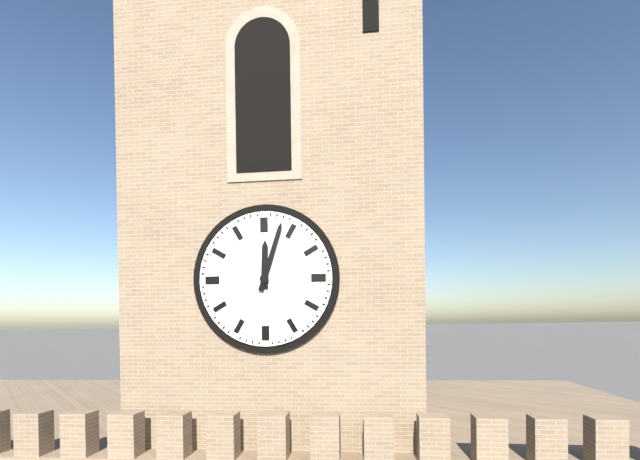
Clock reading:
12.03
